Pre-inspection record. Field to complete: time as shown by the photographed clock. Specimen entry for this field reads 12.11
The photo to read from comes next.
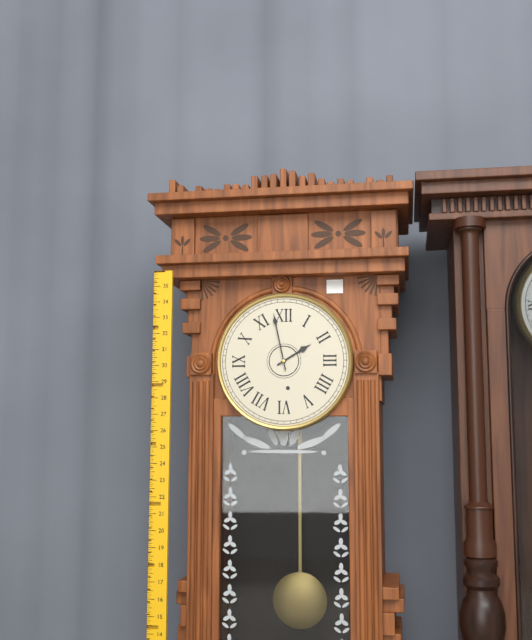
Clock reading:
1.58
